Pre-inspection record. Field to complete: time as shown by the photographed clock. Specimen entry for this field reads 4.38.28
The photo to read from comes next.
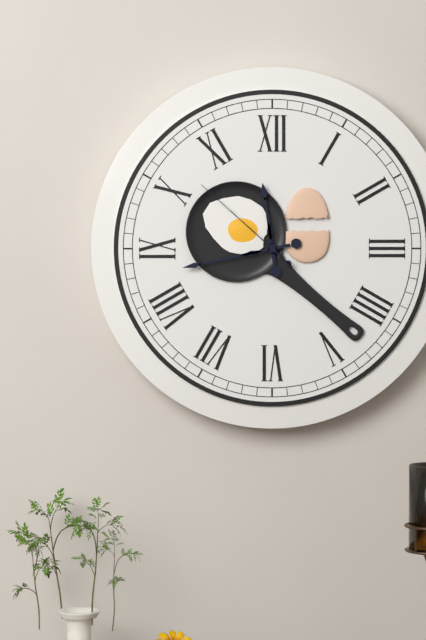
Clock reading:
11.43.52
